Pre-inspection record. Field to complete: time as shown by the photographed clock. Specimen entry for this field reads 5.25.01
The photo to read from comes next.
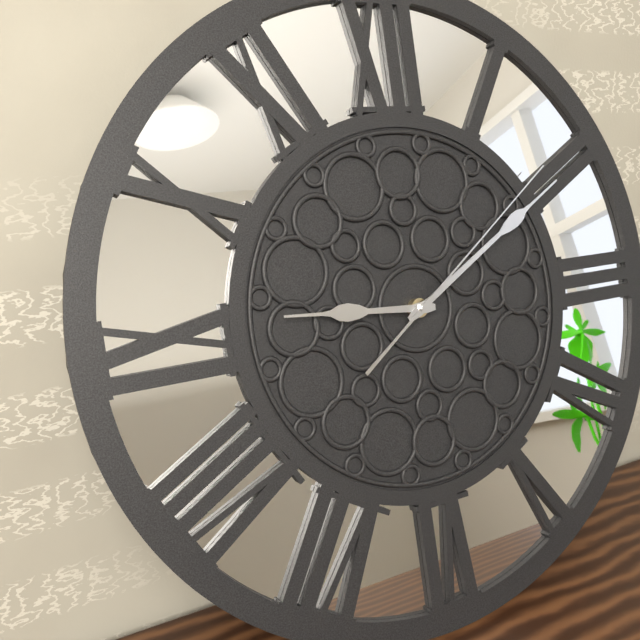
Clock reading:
9.10.09
